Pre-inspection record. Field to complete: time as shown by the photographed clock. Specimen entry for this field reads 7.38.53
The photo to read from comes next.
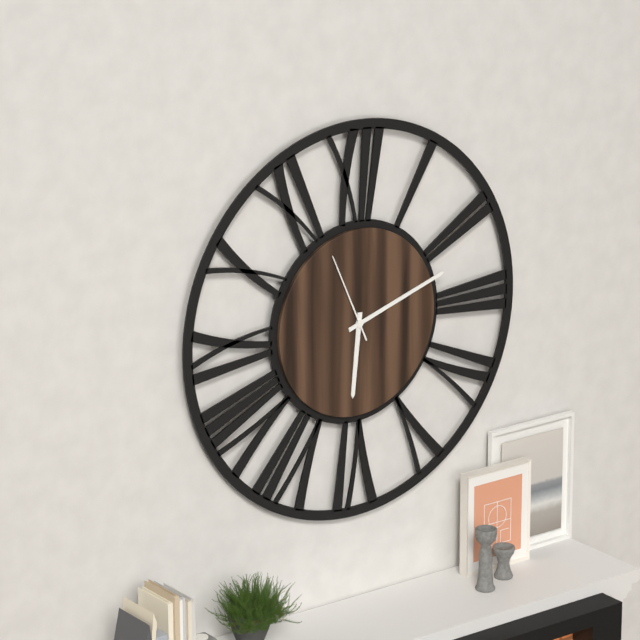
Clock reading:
6.12.56
